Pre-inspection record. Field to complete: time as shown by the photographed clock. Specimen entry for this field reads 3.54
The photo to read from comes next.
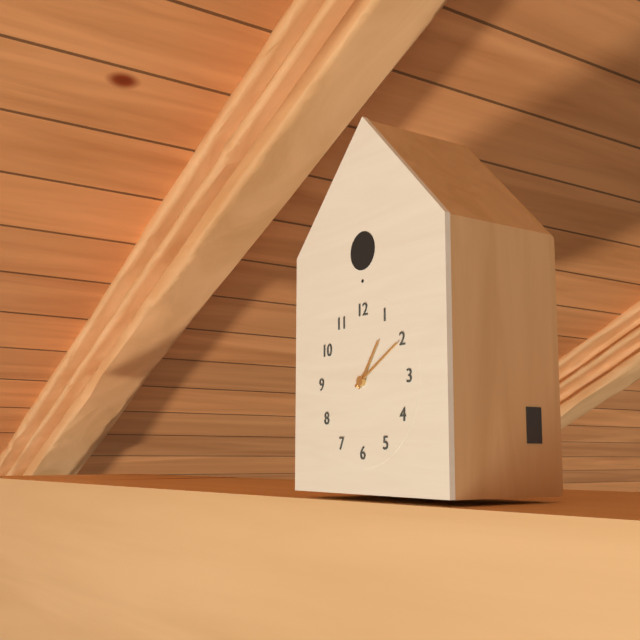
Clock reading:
1.10
